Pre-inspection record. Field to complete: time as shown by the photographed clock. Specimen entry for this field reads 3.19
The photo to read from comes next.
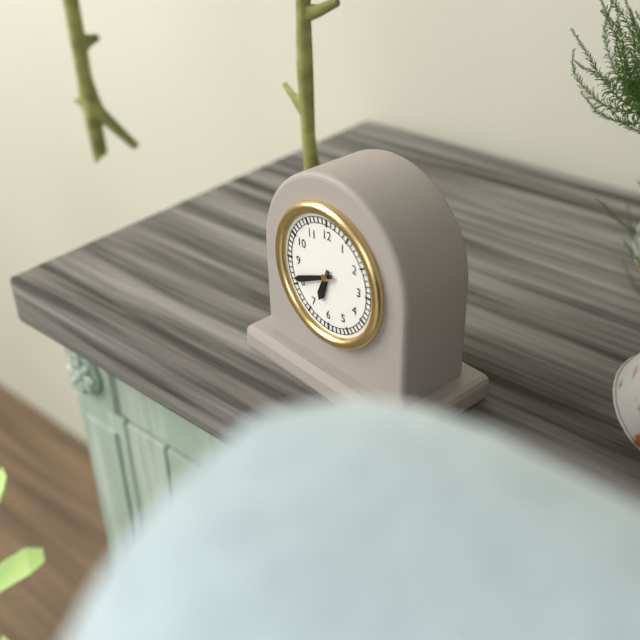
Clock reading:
6.41
